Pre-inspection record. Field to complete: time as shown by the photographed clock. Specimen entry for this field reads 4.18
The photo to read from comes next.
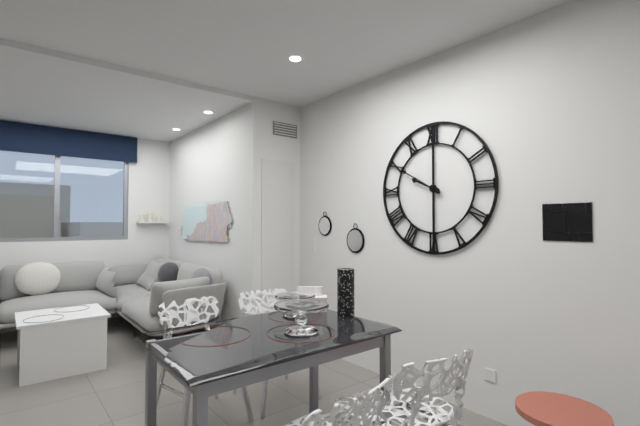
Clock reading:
9.50
